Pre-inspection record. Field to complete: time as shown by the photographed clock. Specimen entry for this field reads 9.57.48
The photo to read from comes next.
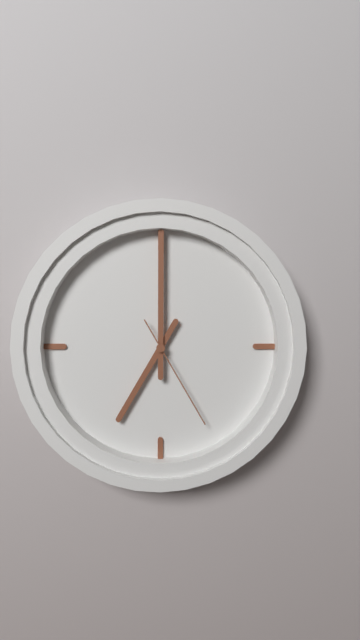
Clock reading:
7.00.25
